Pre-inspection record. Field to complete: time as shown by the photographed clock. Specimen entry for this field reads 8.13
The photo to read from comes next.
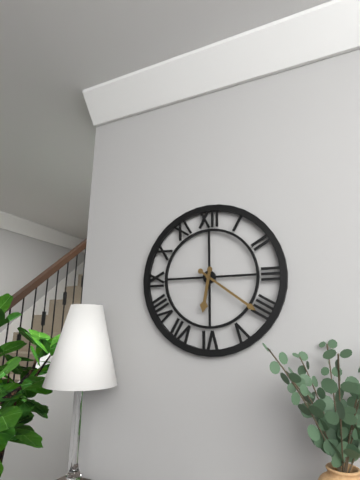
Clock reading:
6.21
